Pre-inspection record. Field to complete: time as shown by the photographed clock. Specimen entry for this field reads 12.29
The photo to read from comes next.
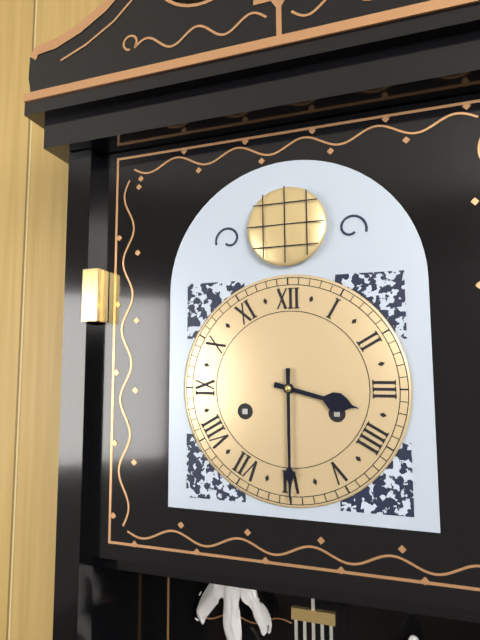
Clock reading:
3.30
